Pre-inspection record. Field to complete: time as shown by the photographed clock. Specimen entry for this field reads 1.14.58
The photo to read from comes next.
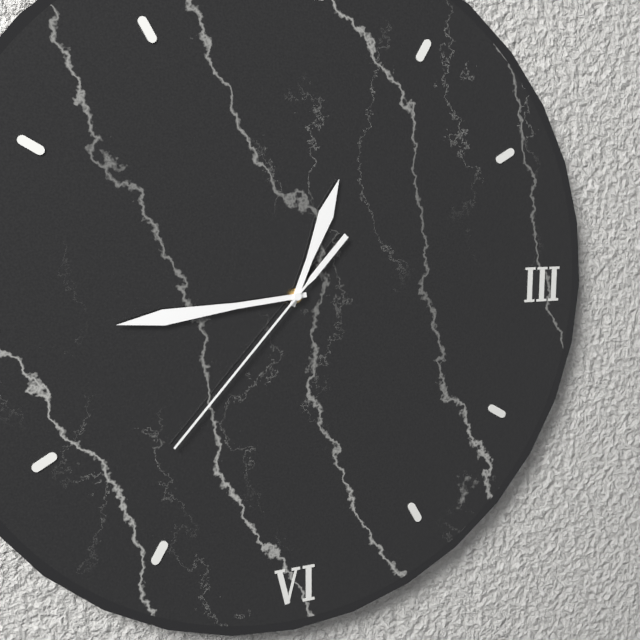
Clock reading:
12.44.37
